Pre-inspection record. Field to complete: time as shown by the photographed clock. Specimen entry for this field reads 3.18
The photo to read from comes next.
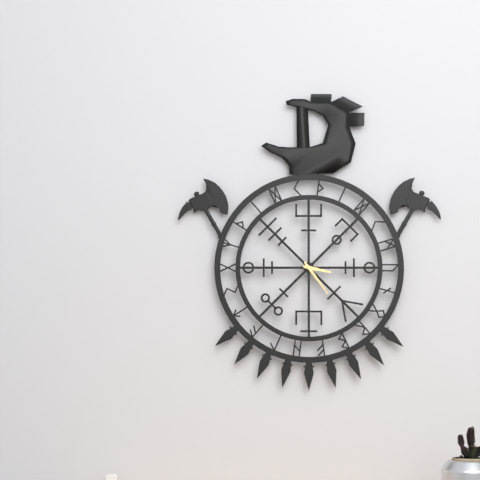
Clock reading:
3.24
